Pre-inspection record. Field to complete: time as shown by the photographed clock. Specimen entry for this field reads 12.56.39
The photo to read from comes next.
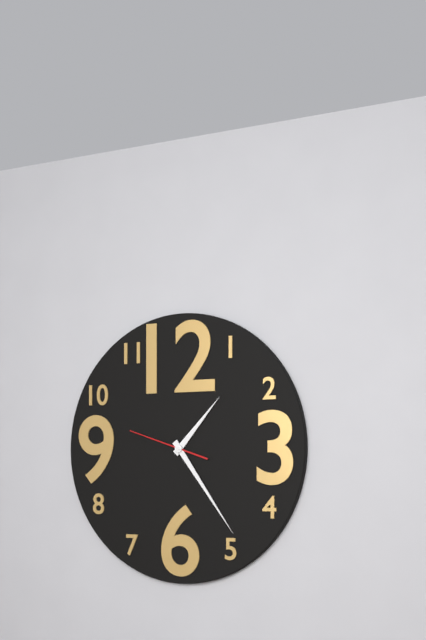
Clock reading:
1.24.48
